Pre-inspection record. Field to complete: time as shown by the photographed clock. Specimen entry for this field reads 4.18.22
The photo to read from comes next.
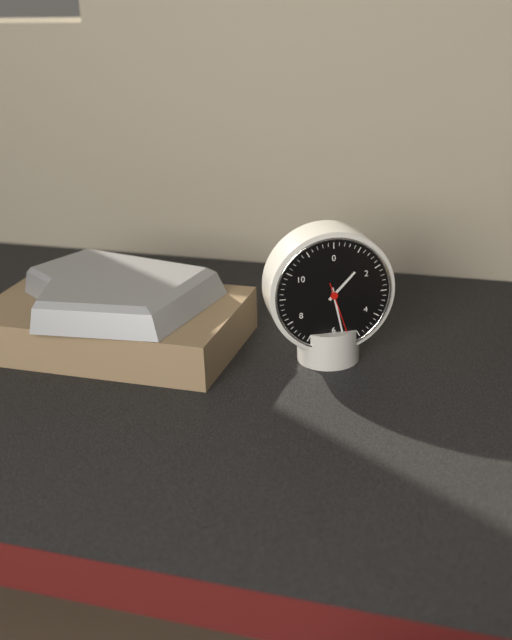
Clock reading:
1.28.27
